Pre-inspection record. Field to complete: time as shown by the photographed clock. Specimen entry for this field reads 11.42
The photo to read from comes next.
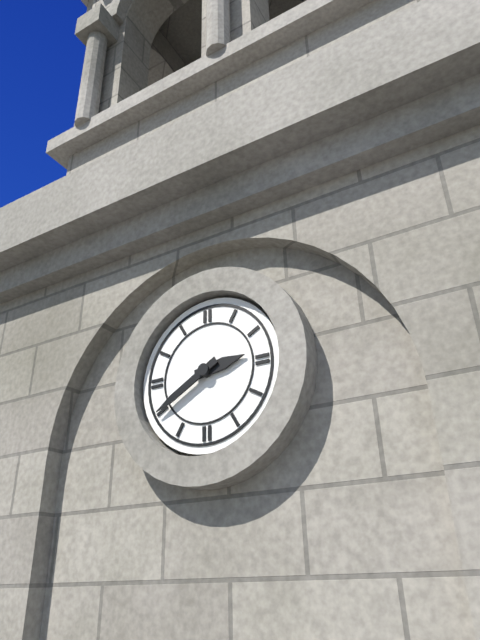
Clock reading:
2.40
